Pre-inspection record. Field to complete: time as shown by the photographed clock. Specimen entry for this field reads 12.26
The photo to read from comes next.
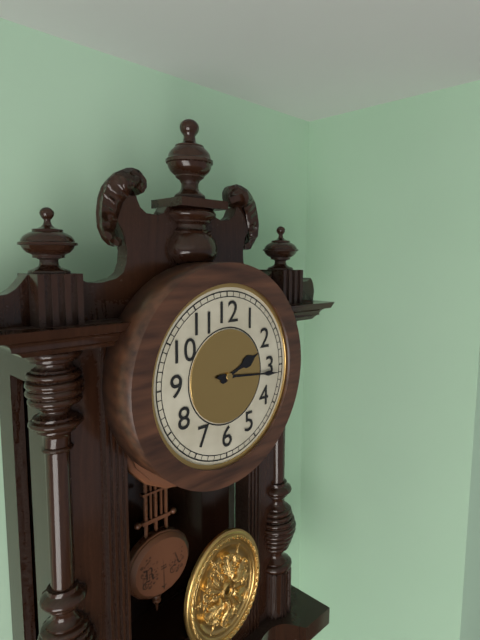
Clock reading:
2.16
